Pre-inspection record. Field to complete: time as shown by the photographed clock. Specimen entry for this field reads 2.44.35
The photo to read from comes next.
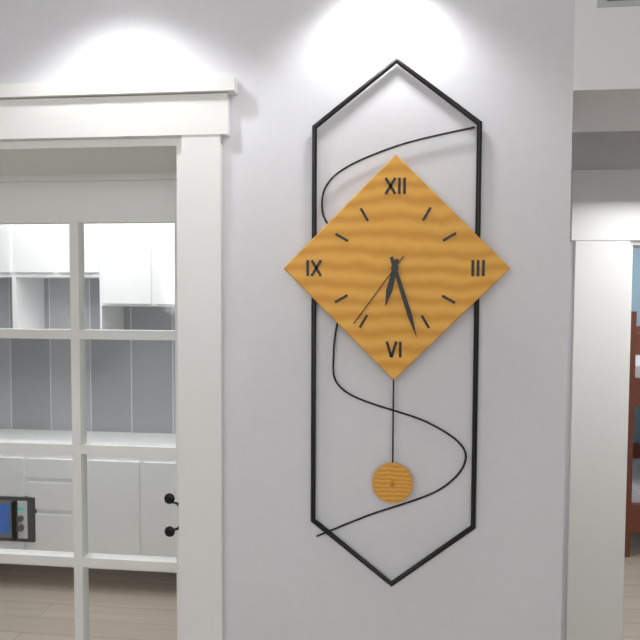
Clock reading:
6.27.36
